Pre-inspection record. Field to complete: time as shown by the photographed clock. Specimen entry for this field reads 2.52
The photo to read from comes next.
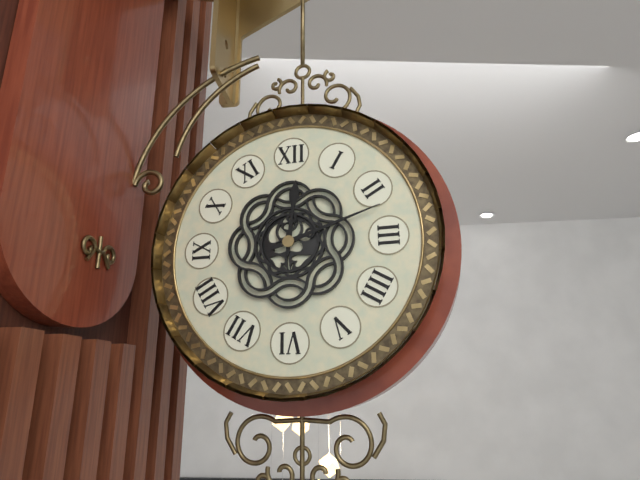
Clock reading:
12.12
